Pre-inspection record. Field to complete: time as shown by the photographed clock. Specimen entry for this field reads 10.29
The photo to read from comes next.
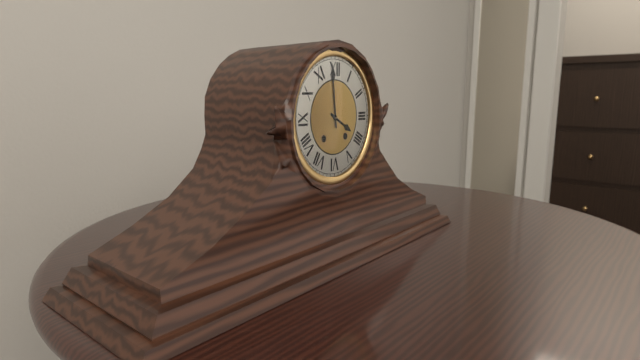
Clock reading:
3.59
